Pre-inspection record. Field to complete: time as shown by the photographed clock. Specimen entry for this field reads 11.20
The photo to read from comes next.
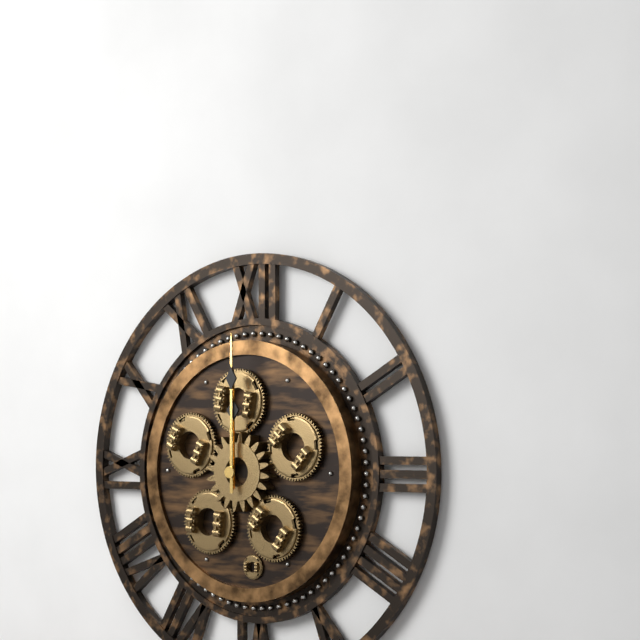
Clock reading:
12.00
